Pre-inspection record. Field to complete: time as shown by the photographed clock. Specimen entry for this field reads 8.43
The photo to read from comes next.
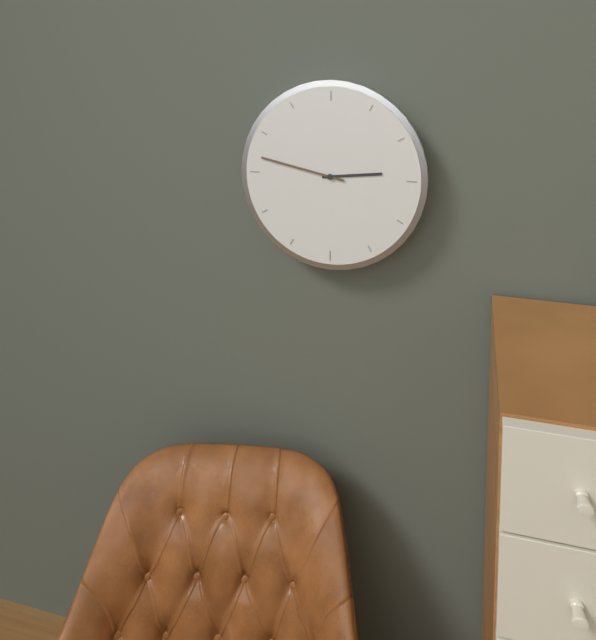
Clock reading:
2.47
